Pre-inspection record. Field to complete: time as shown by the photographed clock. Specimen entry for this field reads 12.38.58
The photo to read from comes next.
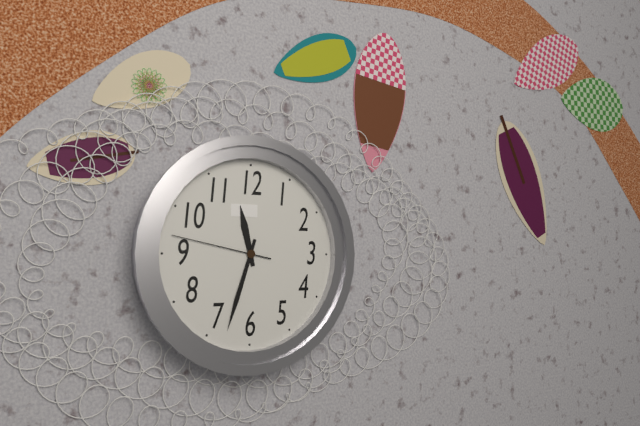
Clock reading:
11.33.47
